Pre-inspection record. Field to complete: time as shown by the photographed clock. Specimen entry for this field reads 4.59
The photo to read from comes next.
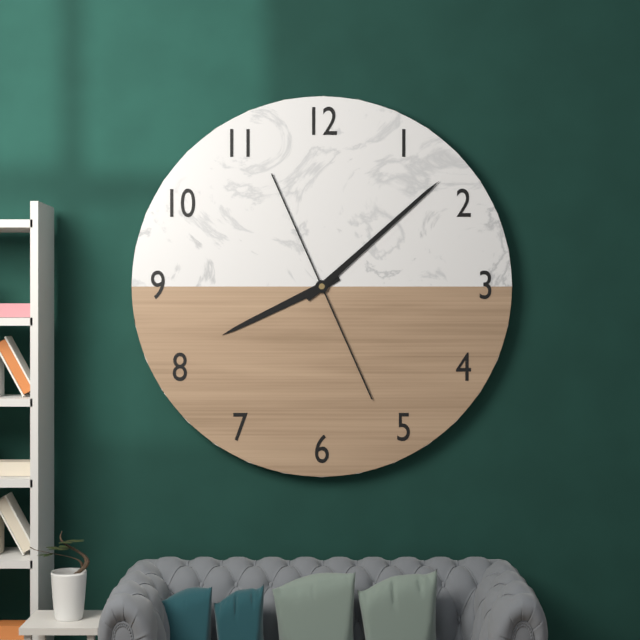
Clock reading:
8.08
